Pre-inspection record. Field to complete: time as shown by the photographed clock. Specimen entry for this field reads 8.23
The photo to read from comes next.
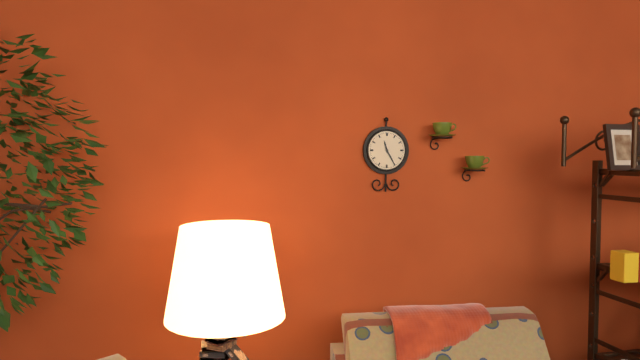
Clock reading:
11.25
